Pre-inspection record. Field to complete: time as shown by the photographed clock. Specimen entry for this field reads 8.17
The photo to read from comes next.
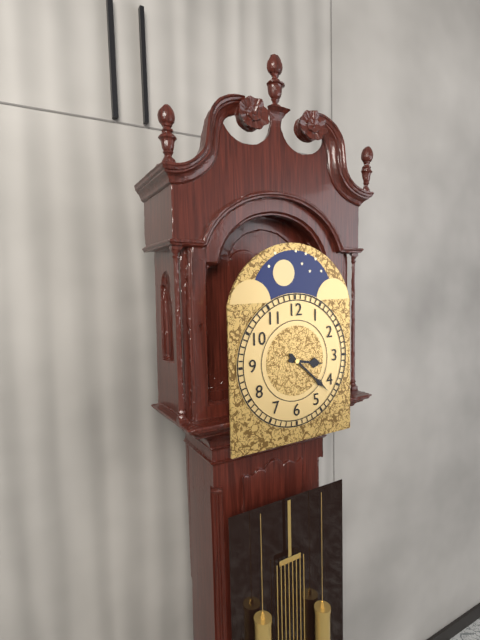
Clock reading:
3.22
